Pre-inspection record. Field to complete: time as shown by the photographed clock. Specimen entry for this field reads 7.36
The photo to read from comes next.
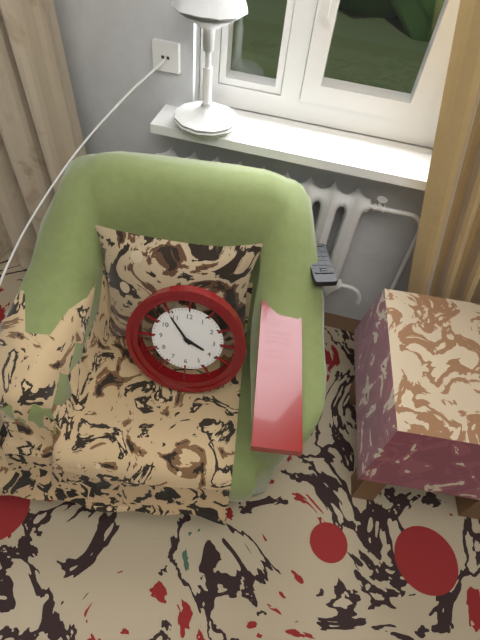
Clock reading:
3.54
